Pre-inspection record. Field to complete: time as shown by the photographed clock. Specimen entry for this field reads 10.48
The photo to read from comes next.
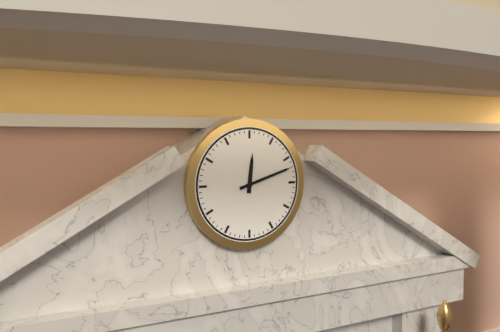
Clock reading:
12.12
